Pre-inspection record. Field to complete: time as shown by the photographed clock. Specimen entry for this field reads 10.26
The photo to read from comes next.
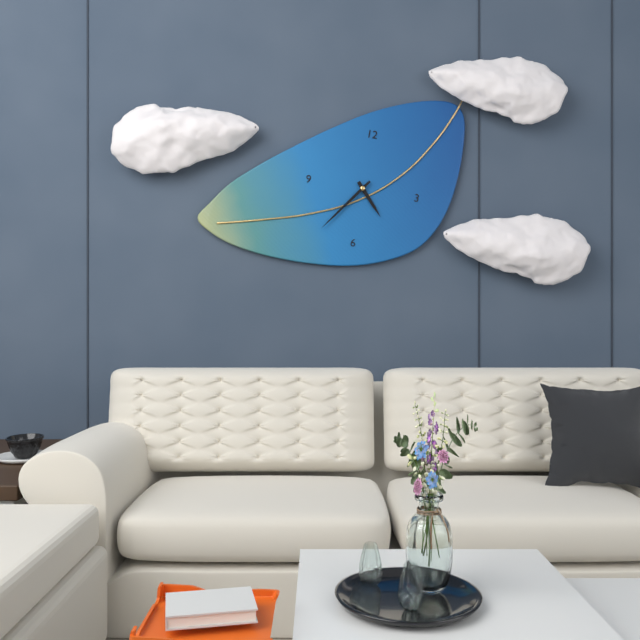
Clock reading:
4.36
